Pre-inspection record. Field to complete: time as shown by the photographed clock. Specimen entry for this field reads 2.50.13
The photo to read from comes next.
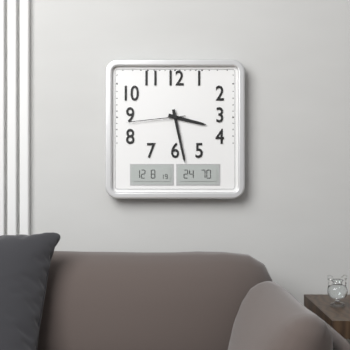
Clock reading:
3.28.44
